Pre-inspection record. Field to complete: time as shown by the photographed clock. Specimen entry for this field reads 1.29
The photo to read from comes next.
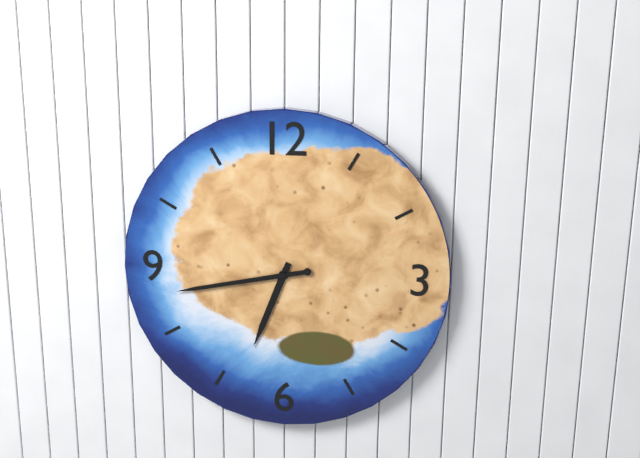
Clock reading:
6.43
